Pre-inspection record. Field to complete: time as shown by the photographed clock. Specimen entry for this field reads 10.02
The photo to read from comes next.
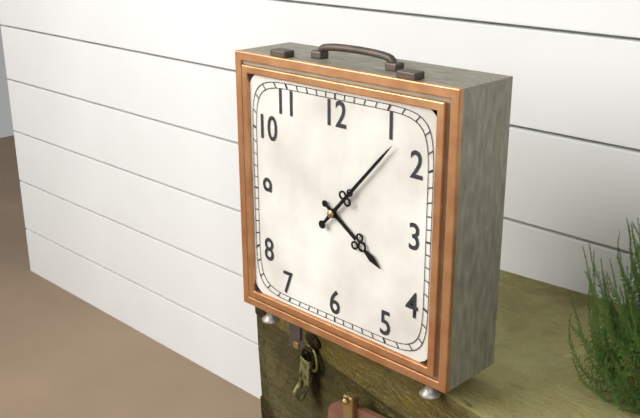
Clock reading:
4.07
